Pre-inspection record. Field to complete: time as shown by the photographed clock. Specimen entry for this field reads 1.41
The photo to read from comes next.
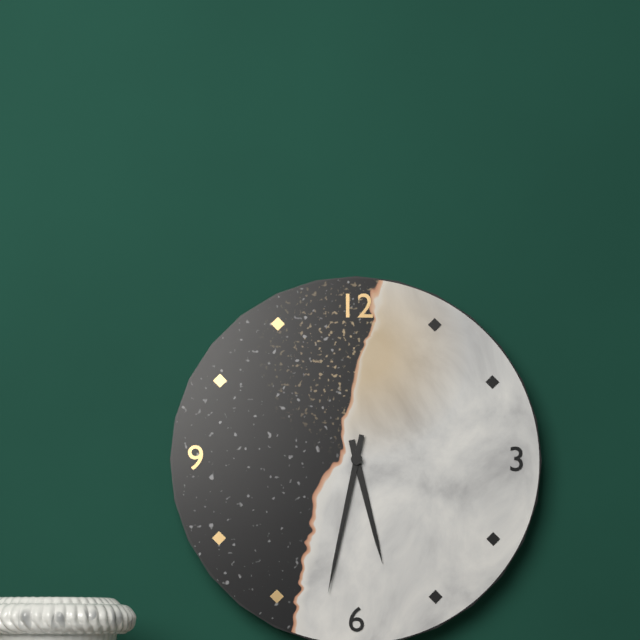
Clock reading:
5.32
